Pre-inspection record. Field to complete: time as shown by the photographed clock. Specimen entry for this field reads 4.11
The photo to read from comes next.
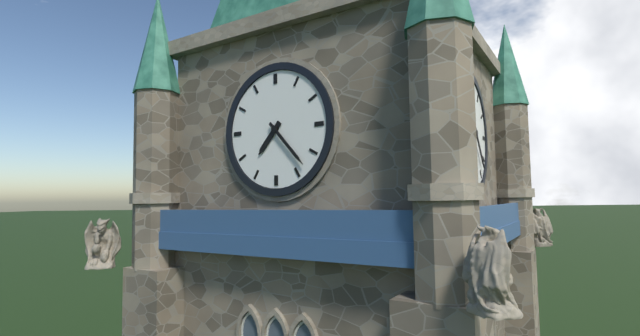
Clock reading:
7.23
